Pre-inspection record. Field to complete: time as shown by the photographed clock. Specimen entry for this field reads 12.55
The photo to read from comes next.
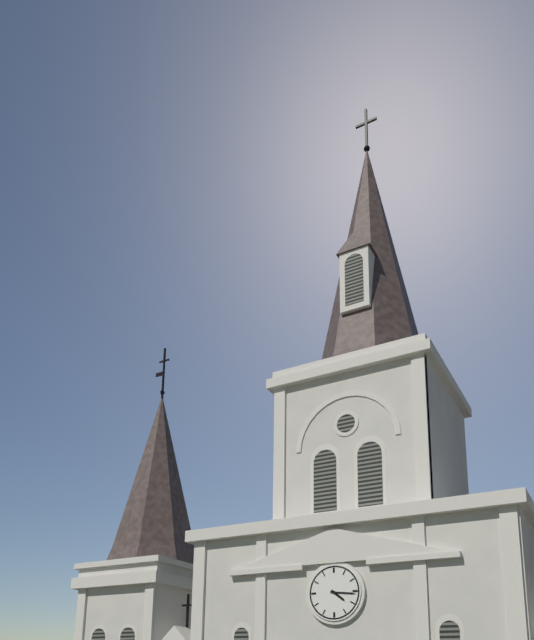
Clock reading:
4.16
